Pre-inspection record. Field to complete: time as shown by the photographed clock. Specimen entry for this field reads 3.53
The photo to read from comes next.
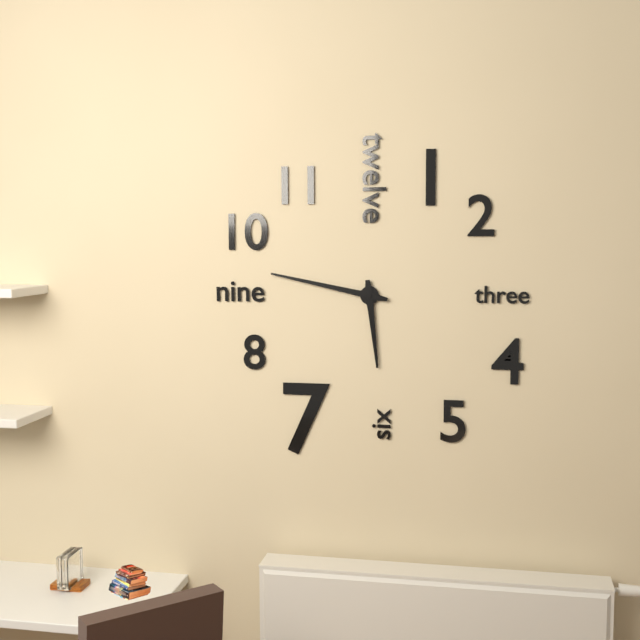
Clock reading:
5.47
